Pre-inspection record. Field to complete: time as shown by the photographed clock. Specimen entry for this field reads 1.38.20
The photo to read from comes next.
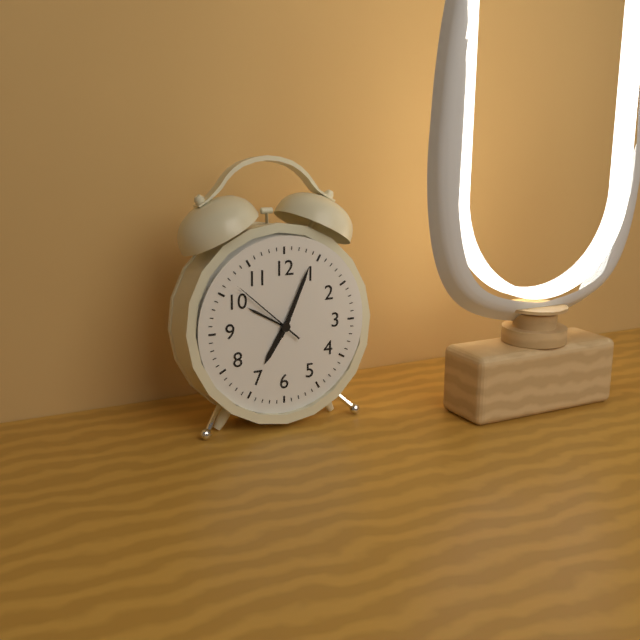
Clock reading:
7.04.52
